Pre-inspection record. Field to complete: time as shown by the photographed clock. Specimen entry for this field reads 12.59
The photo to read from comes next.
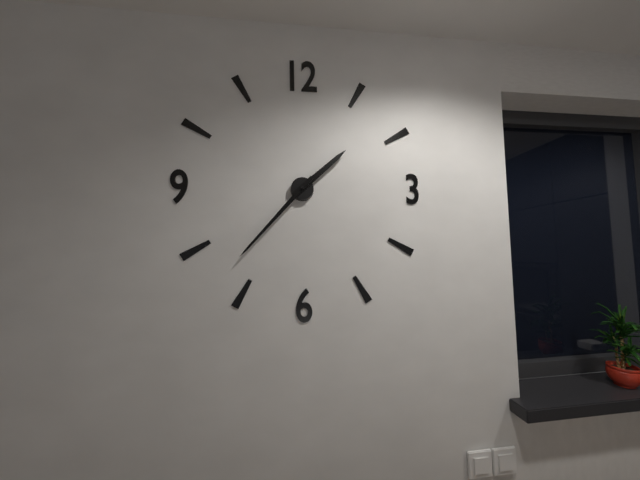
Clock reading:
1.37
